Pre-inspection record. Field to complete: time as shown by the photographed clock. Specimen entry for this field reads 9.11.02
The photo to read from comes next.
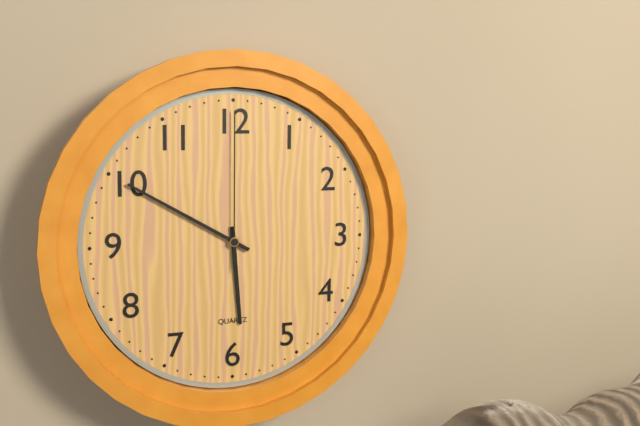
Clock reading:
5.50.00
